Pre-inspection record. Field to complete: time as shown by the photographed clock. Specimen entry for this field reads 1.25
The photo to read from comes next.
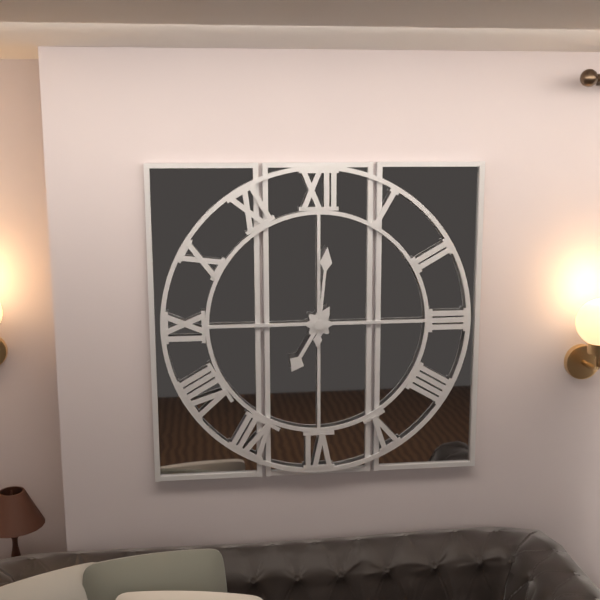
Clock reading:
7.01
